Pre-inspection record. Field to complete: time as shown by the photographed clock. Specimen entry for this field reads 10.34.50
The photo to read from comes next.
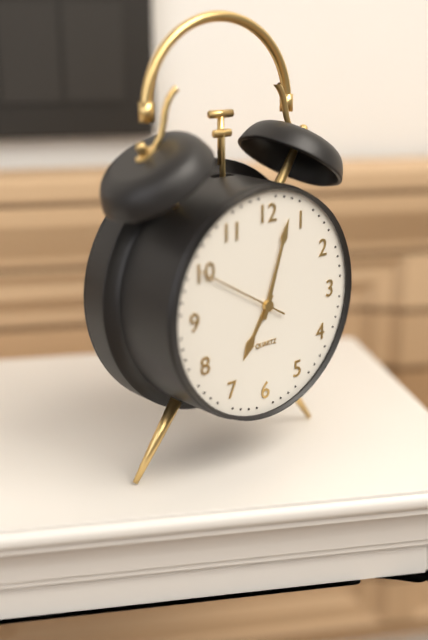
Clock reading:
7.03.50
